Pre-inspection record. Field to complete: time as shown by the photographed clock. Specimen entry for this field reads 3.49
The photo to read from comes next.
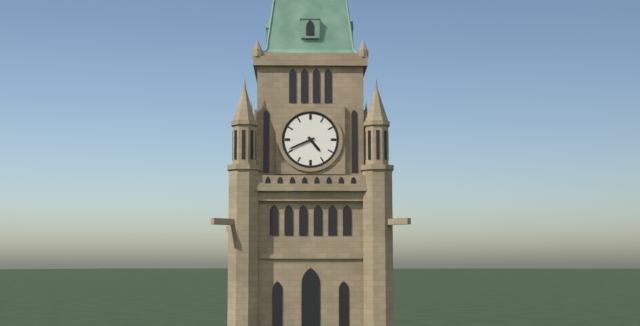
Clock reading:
4.41
